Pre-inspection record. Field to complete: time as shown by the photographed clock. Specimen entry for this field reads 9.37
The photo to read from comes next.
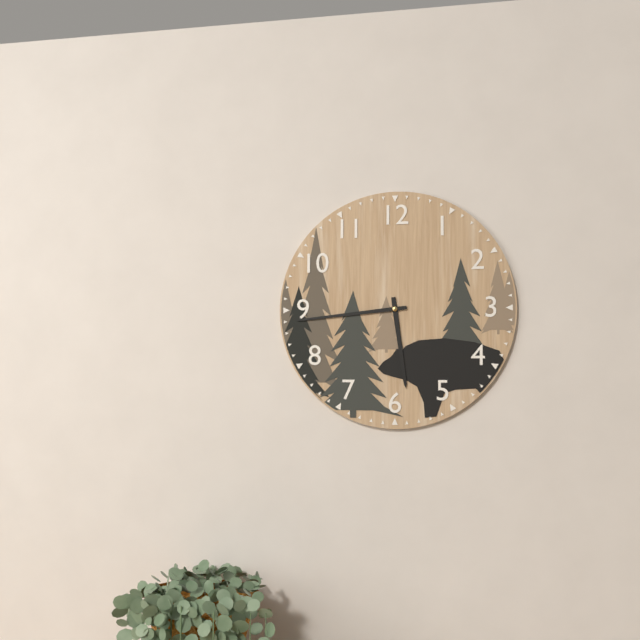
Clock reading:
5.44
